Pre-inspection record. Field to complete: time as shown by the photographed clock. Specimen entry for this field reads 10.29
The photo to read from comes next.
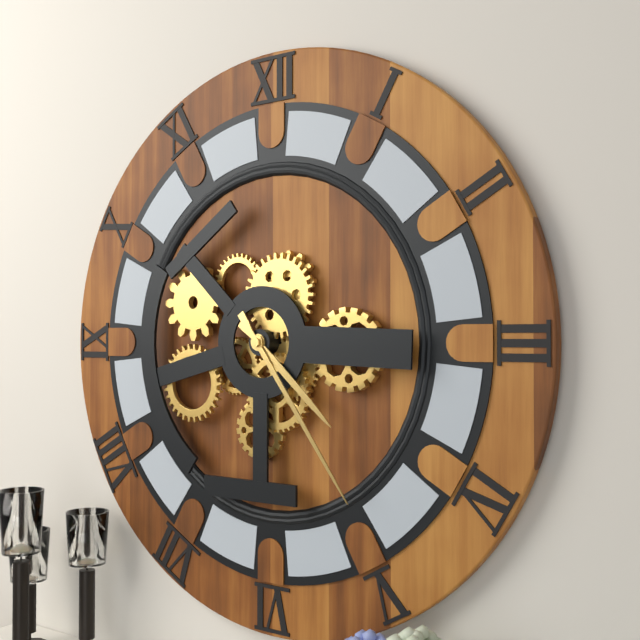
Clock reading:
4.24
